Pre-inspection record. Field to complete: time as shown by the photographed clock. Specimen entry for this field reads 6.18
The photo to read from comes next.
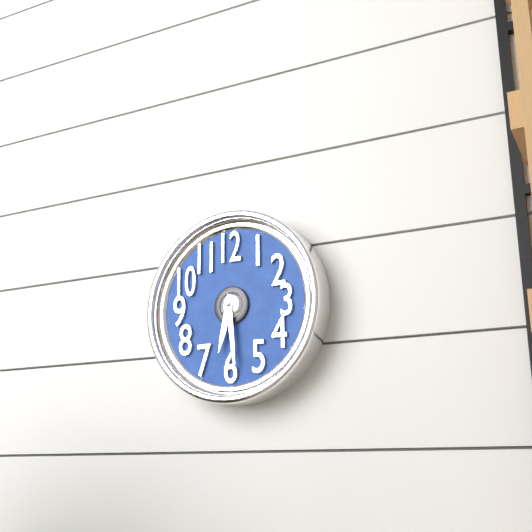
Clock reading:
6.29
